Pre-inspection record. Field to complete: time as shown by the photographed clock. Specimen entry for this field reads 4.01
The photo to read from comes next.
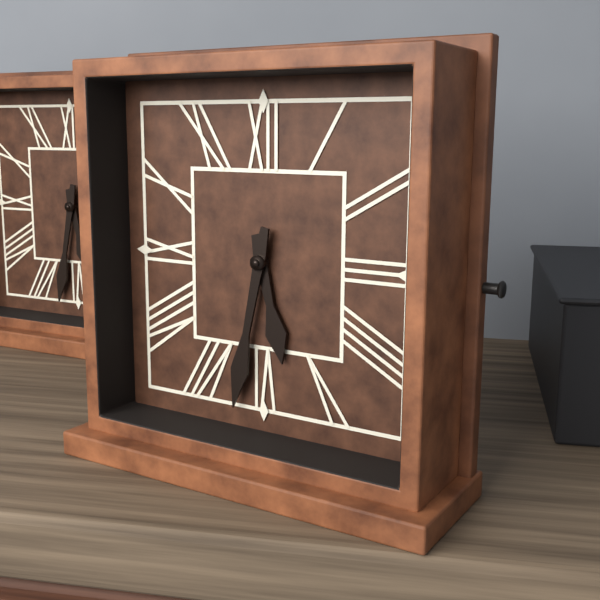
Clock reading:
5.32
